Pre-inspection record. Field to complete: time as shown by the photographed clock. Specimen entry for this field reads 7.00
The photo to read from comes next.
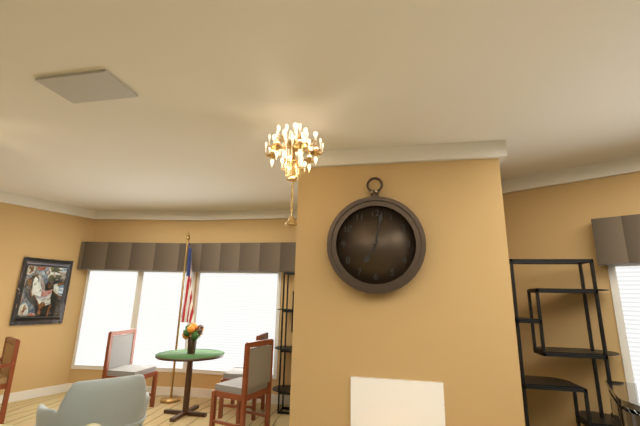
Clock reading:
7.02
